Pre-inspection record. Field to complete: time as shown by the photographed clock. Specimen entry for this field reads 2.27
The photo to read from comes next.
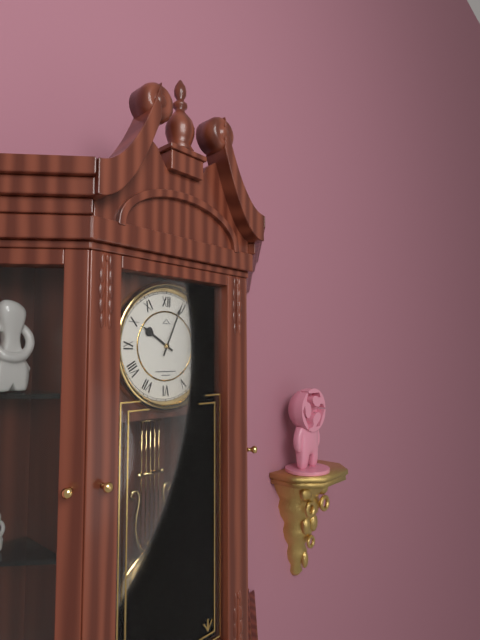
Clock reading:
10.04
